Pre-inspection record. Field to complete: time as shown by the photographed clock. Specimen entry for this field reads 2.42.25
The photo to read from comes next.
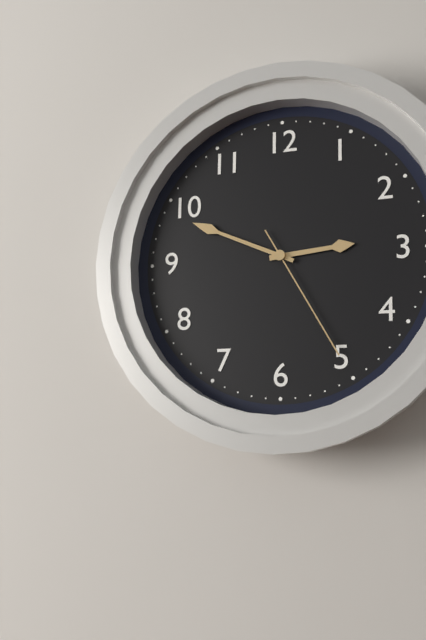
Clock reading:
2.49.25
